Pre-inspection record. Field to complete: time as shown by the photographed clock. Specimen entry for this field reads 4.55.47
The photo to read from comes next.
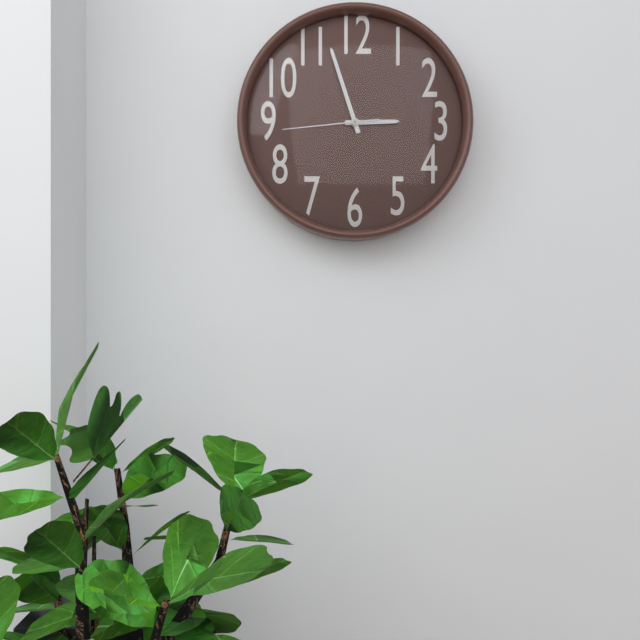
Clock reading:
2.57.44
